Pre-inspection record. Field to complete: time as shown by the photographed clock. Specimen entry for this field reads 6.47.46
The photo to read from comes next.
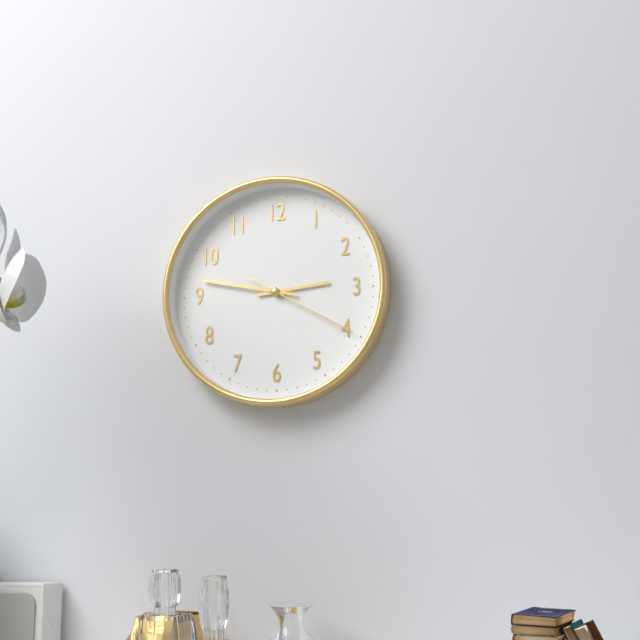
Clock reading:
2.47.20
